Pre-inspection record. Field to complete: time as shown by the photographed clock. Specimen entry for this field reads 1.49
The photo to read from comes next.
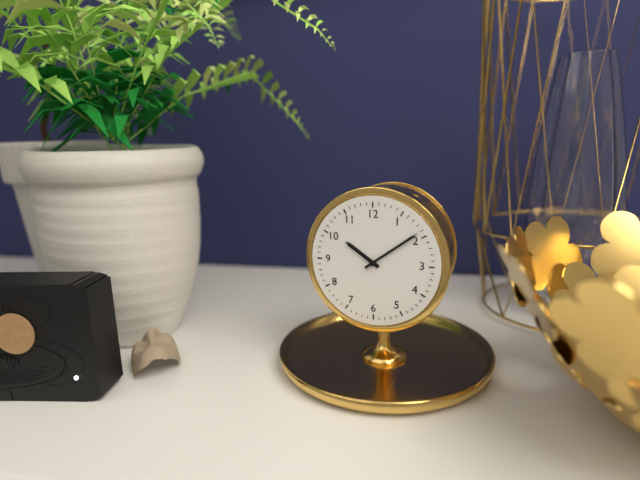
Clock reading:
10.09
